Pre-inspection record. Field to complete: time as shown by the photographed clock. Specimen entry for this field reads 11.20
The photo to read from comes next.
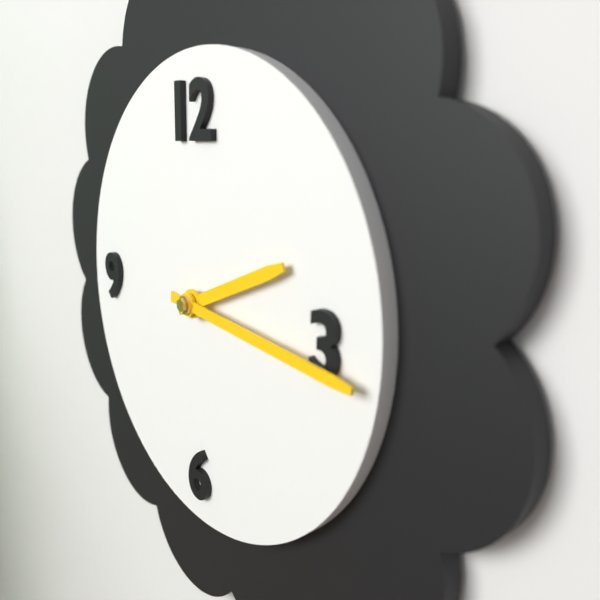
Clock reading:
2.16
